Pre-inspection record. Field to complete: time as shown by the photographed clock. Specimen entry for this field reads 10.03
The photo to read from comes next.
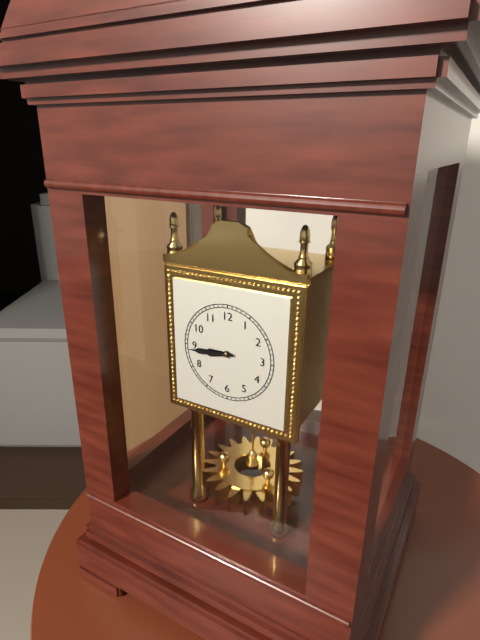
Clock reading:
8.44
